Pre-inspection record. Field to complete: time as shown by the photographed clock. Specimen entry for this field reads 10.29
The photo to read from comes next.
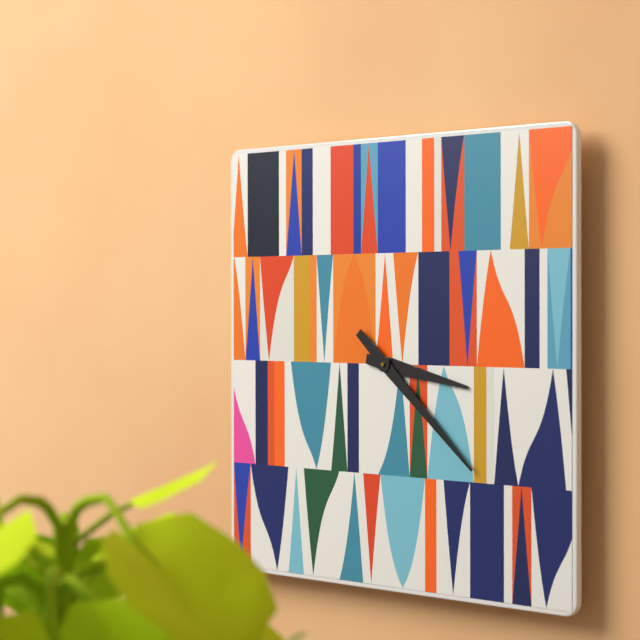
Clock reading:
3.22
